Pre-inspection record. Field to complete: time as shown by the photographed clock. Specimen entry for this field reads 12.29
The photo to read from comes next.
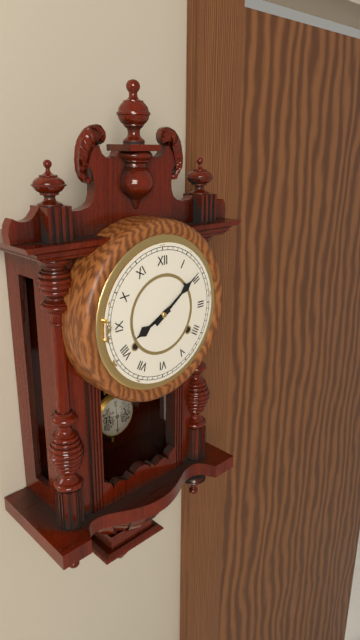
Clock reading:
8.09
